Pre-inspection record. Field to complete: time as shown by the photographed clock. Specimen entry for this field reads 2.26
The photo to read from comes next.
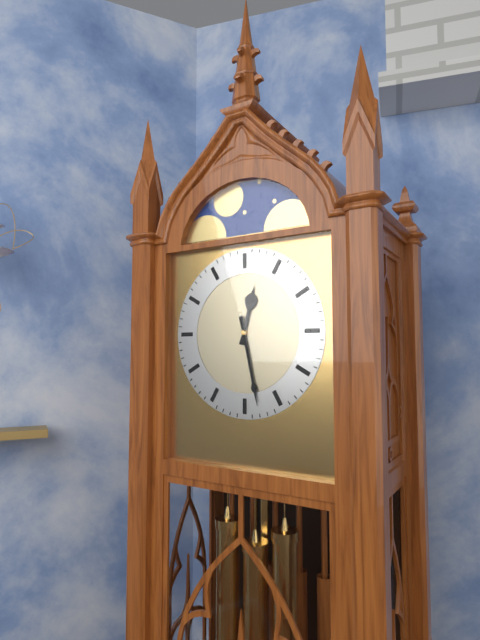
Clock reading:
12.28
